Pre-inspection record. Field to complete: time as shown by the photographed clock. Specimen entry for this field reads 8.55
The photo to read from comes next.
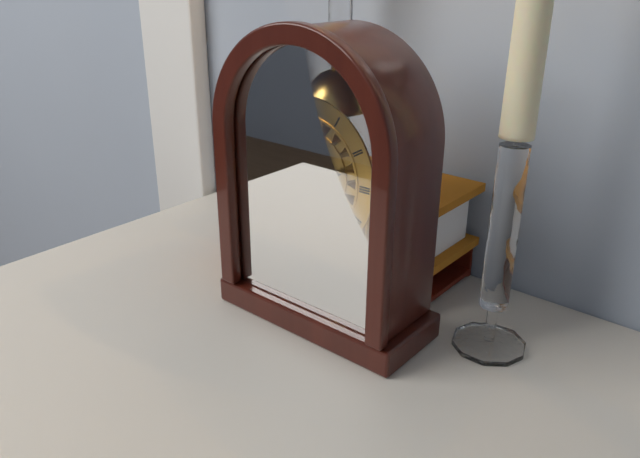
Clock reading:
2.32
